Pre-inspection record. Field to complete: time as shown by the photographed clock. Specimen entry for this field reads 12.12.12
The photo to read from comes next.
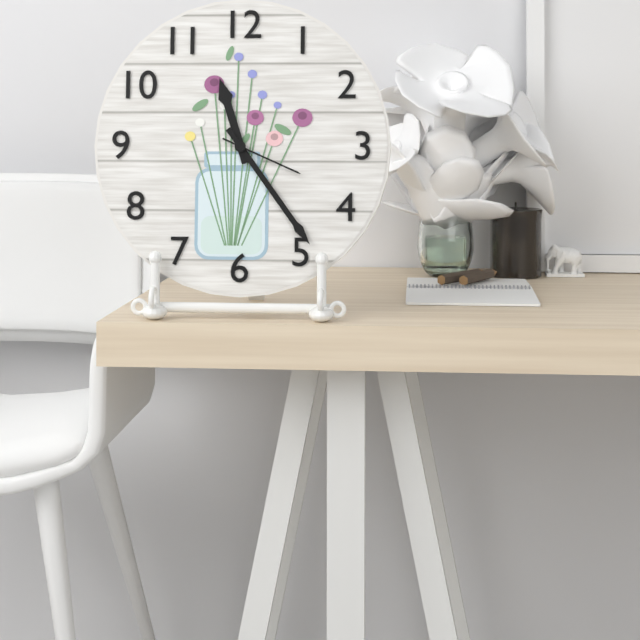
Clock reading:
11.24.19
